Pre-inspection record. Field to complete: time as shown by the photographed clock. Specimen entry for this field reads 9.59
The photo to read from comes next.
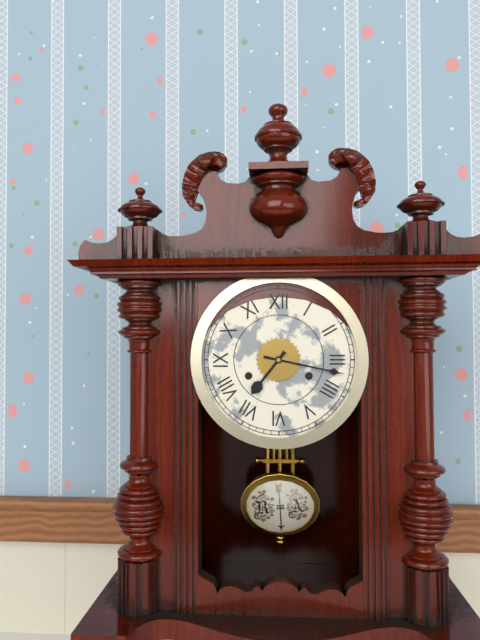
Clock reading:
7.17
